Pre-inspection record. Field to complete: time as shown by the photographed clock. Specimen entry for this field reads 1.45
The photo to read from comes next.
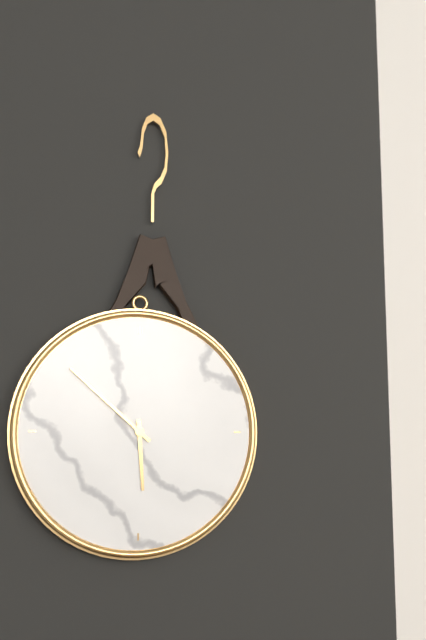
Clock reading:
5.52
